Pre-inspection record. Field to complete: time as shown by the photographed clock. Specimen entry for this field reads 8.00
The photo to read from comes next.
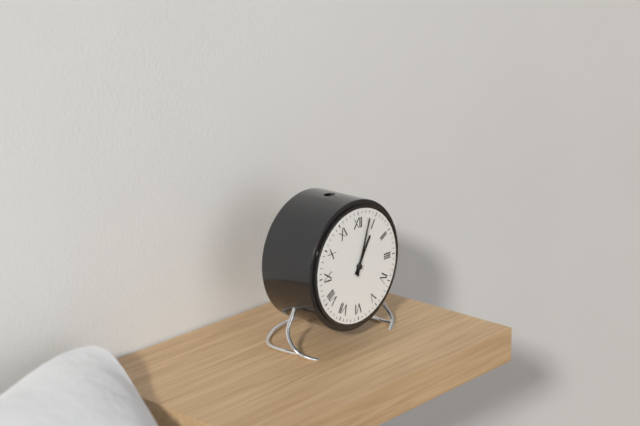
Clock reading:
1.03
